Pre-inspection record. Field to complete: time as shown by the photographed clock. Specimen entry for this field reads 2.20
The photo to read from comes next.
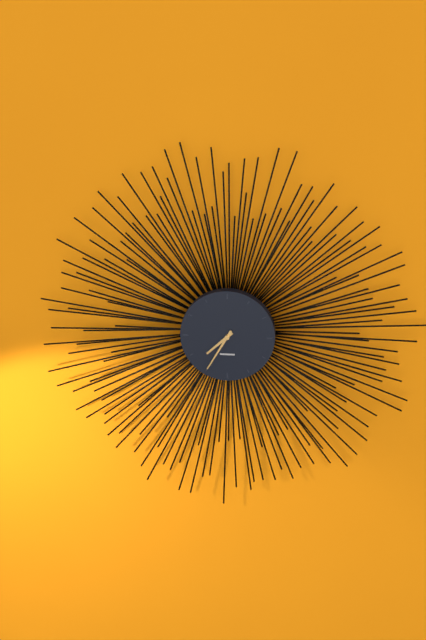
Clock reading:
7.35
